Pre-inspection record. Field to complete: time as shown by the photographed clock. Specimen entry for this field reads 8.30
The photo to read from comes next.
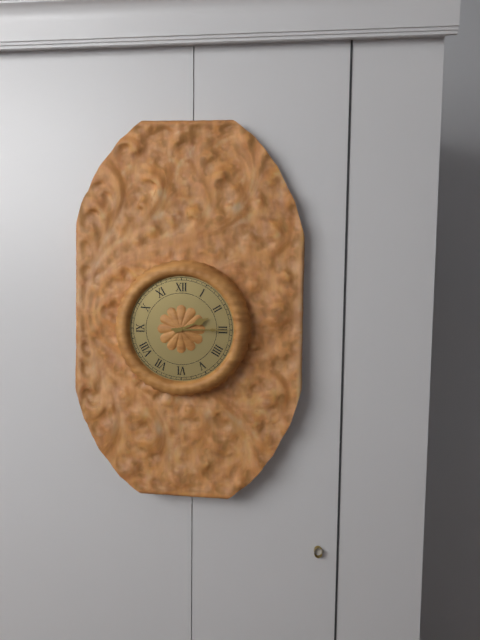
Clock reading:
2.15
